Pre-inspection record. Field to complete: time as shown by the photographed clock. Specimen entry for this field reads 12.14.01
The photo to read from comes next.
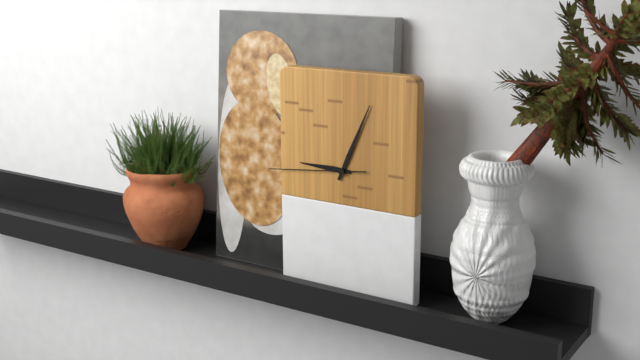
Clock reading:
9.04.44
